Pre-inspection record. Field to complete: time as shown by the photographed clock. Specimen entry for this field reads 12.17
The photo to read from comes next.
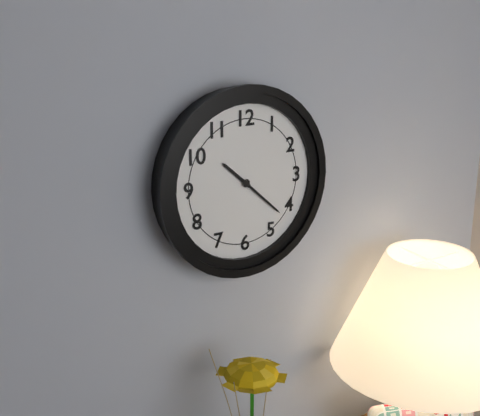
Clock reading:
10.22
